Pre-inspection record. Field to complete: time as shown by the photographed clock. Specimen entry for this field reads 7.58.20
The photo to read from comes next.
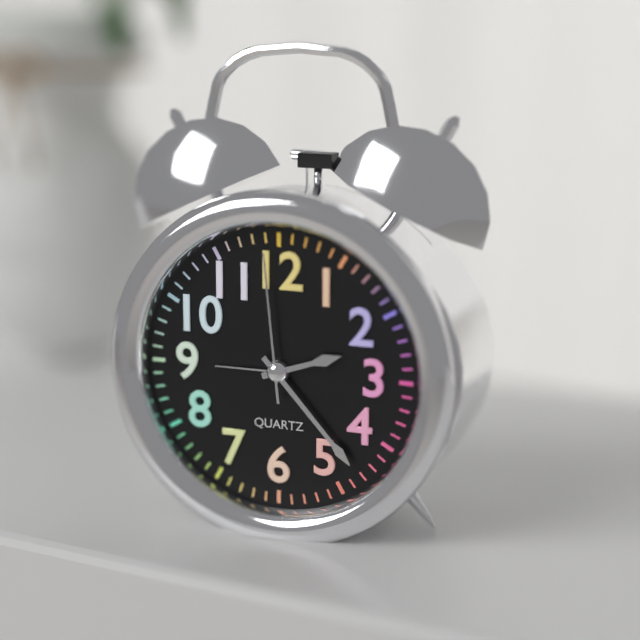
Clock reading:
2.23.59
